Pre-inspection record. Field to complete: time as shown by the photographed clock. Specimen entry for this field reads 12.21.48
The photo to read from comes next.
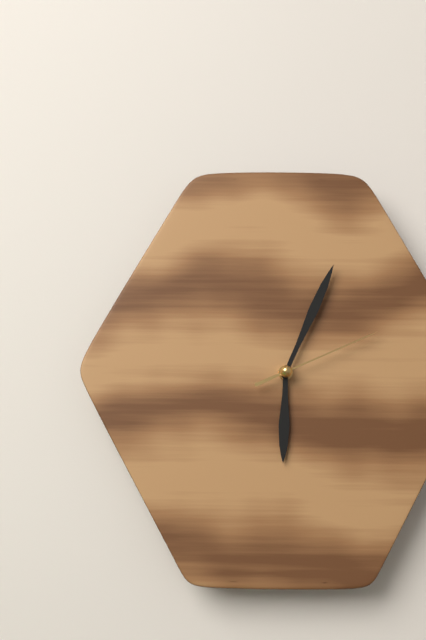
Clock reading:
6.04.11
